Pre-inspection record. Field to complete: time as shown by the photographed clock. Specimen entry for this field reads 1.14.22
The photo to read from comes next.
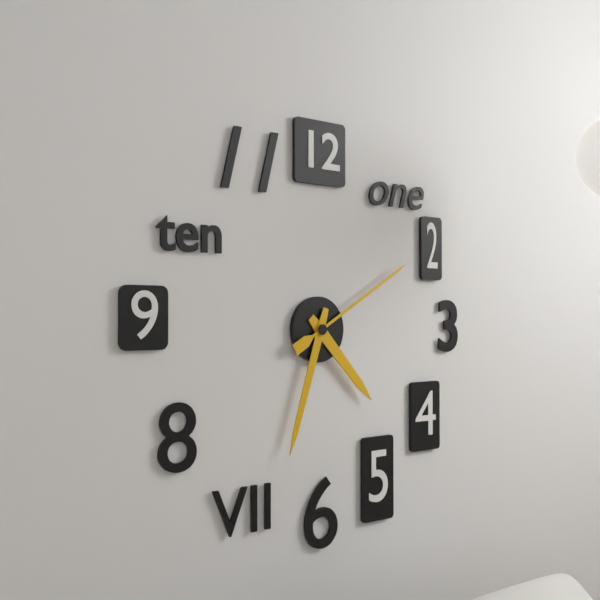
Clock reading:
4.33.10
